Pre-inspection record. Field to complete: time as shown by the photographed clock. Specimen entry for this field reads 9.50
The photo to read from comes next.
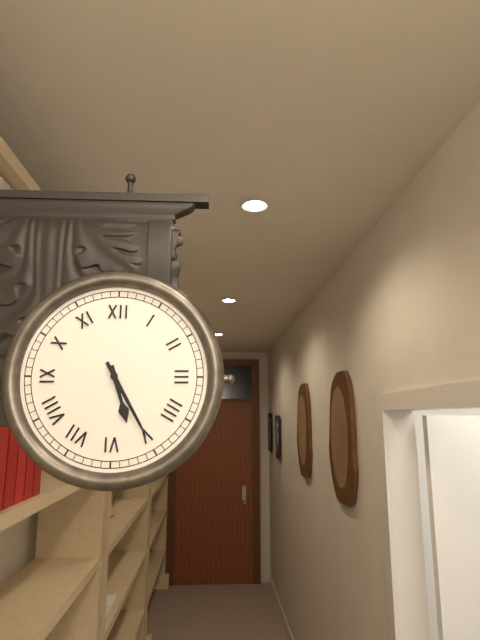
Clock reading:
5.25
